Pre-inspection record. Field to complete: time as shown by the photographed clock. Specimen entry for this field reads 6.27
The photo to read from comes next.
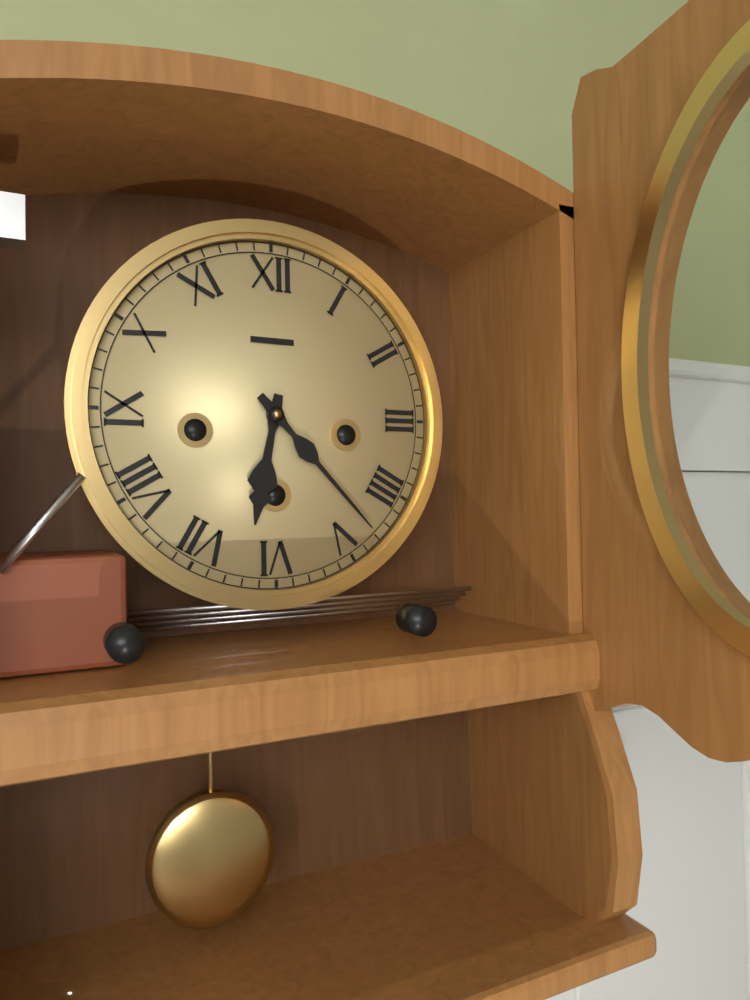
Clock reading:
6.23
